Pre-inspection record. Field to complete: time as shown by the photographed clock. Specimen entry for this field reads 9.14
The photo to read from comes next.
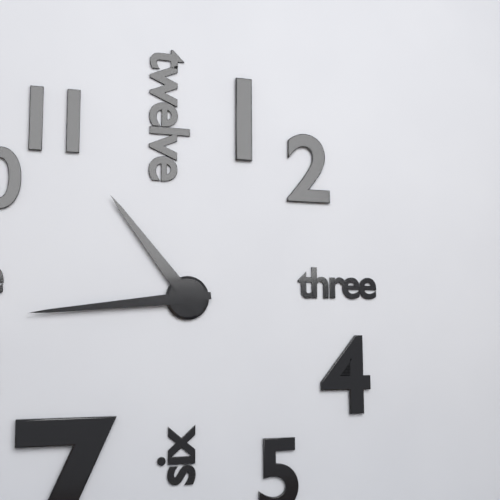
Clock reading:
10.44
